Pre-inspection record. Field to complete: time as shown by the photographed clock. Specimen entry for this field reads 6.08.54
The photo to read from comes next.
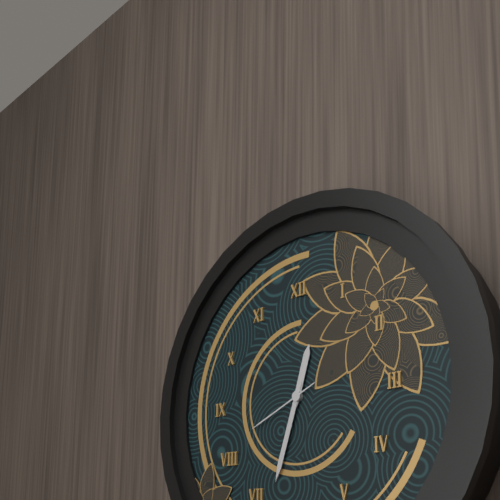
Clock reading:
12.33.41
